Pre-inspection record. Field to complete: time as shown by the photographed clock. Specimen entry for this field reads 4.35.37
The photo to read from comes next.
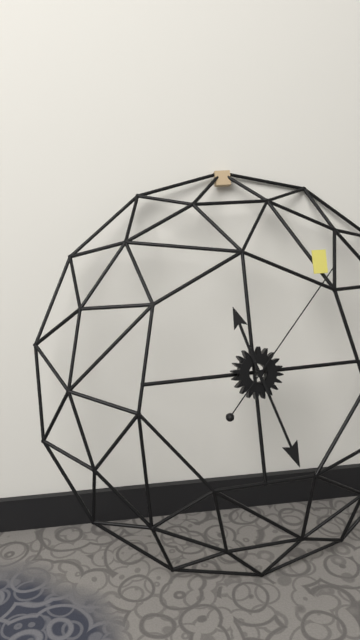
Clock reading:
11.27.07
